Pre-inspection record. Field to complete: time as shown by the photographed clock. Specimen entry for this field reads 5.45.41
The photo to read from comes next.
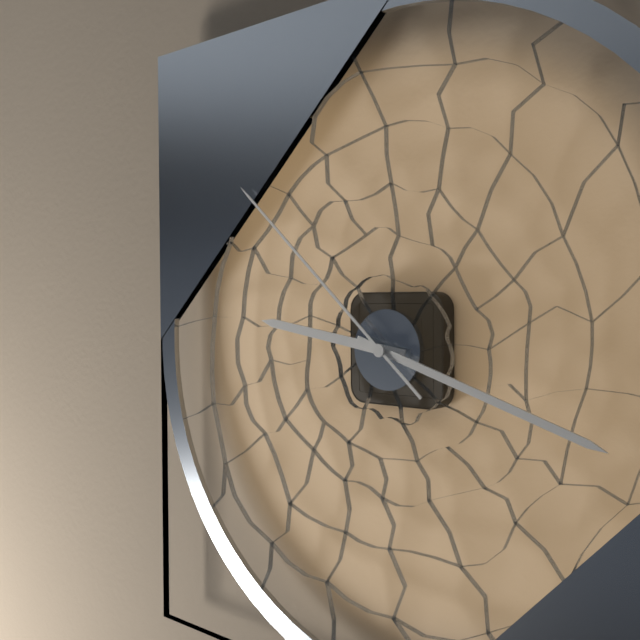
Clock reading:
9.18.52
